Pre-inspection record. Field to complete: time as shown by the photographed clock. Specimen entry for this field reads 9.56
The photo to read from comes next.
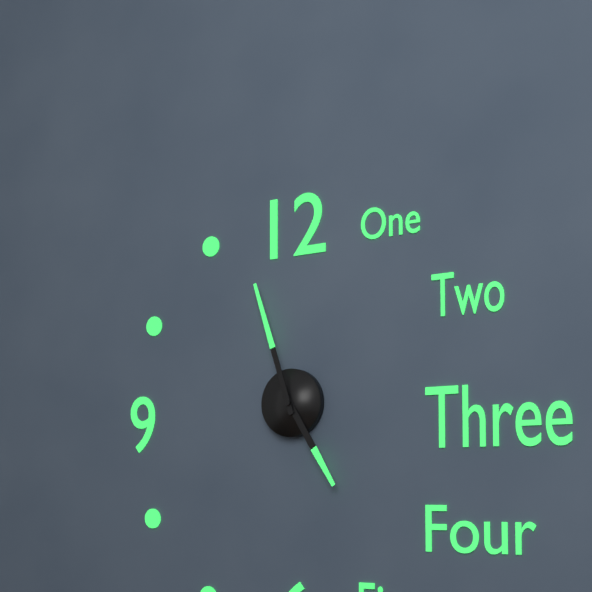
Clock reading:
4.57
